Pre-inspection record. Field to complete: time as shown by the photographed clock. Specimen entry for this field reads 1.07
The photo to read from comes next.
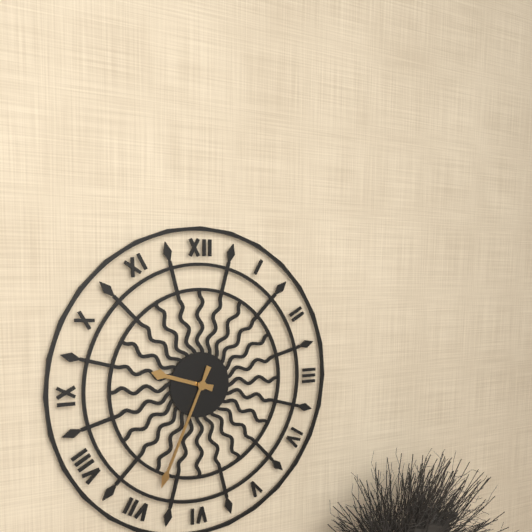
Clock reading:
9.34
